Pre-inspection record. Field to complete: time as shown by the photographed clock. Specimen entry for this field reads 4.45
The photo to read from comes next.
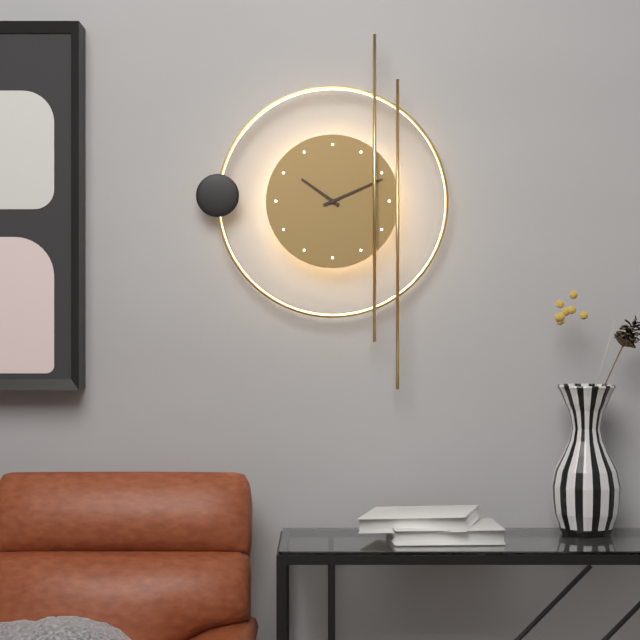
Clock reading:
10.11
